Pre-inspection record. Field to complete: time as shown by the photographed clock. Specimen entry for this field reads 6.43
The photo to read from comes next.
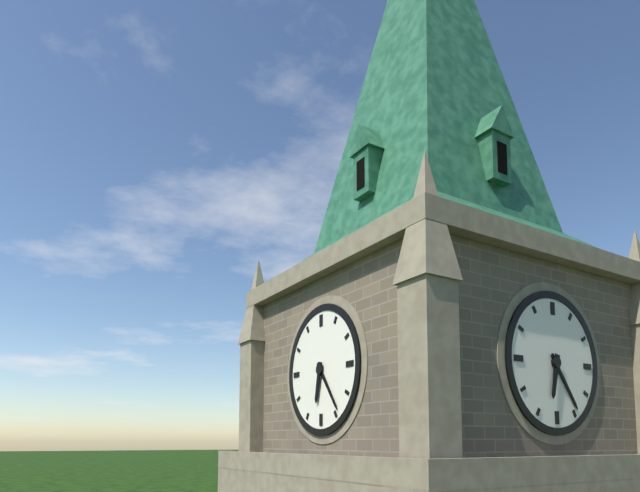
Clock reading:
6.24
